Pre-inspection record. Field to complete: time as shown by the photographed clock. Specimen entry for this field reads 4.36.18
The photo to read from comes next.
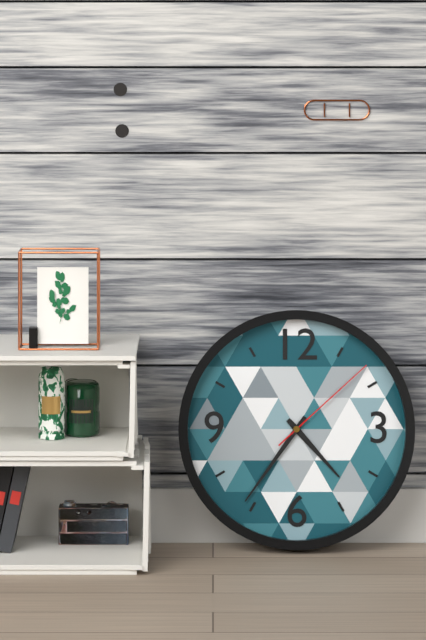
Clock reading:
4.36.08
